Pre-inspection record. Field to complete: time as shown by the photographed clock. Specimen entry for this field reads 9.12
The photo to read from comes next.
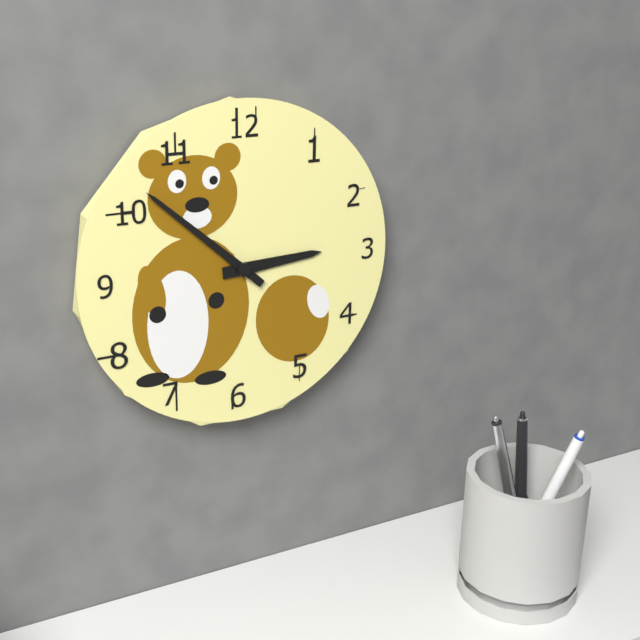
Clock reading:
2.52
